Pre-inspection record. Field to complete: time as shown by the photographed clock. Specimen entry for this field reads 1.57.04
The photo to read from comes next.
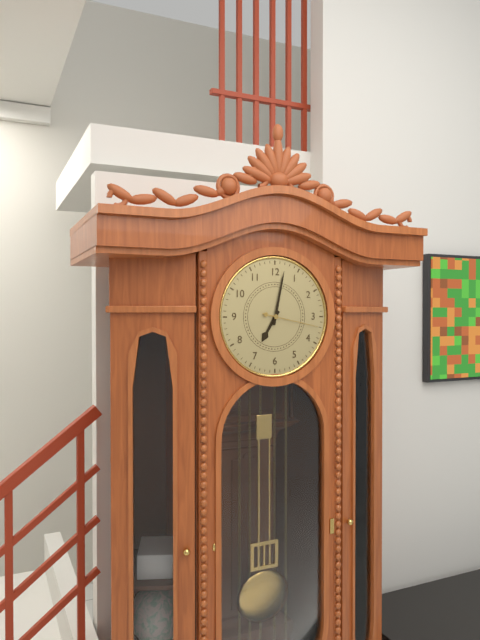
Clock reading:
7.02.17
